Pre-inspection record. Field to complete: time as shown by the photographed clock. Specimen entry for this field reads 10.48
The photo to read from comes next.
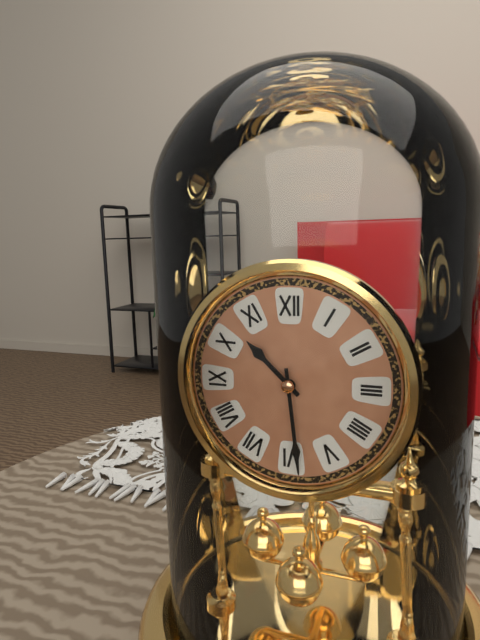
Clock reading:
10.29
